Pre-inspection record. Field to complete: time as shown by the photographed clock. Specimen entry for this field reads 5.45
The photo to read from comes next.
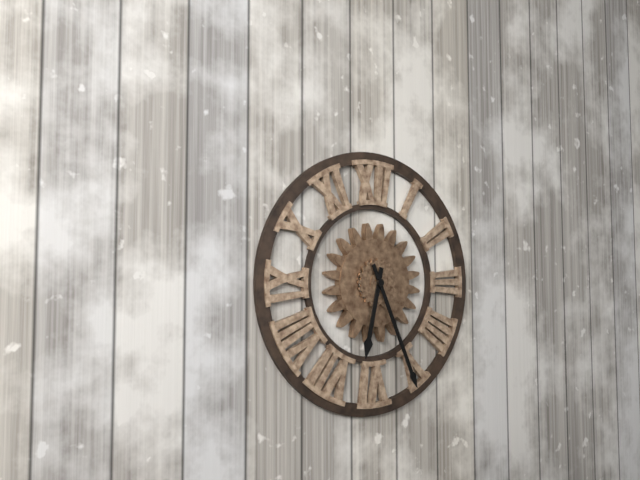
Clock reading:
6.26
